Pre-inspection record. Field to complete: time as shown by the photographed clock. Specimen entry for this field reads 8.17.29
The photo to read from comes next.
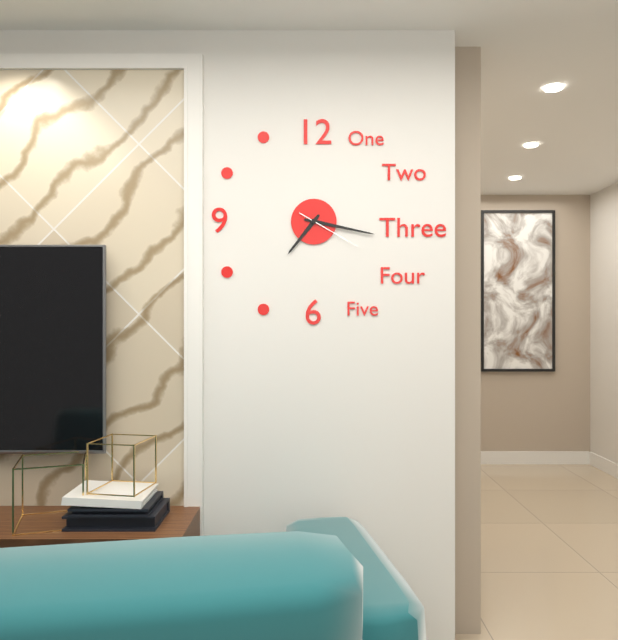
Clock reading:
7.17.20
